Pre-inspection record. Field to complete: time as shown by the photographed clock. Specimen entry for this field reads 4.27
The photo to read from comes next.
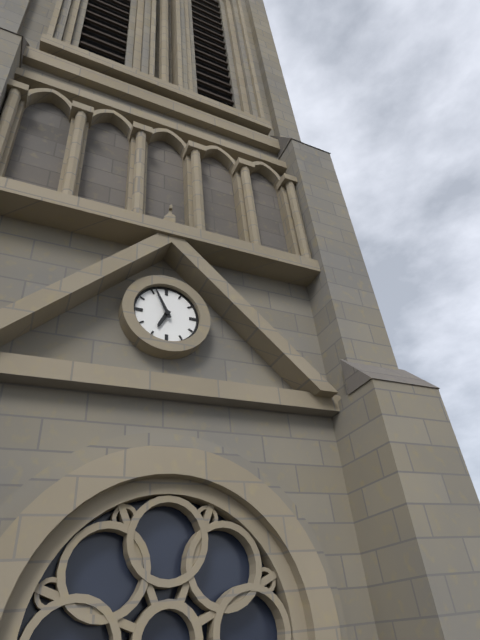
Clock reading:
6.56
